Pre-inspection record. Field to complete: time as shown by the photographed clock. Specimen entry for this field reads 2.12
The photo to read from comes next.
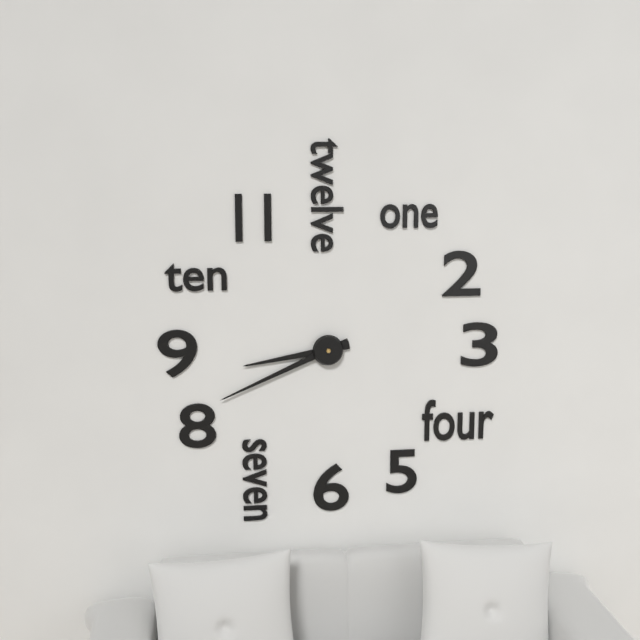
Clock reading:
8.41
